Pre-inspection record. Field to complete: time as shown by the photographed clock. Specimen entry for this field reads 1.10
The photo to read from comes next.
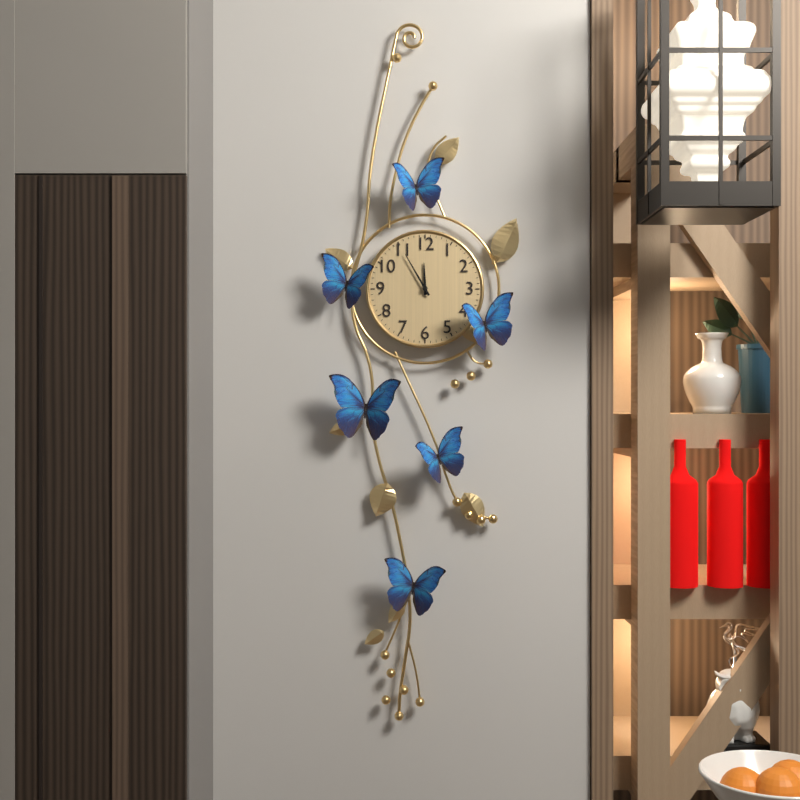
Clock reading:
11.55
